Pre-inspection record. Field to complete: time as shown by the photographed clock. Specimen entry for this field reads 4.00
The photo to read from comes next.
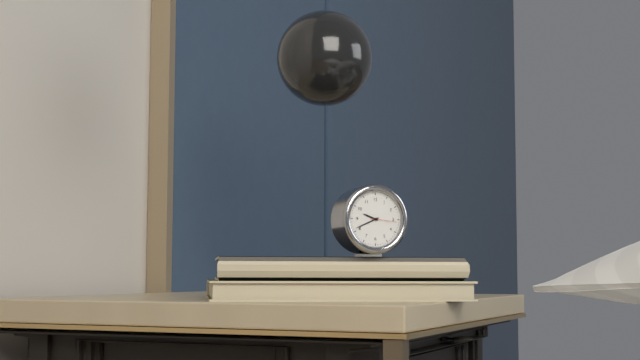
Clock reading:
9.41
